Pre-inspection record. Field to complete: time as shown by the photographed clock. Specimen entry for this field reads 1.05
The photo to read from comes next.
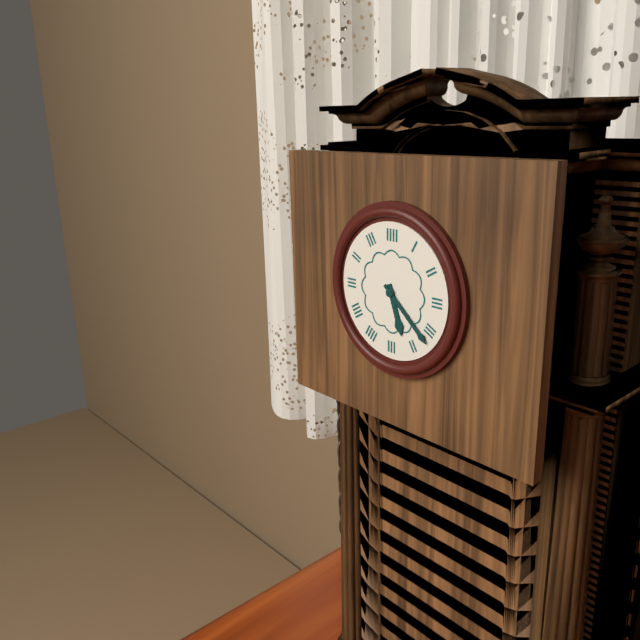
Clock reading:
5.22
